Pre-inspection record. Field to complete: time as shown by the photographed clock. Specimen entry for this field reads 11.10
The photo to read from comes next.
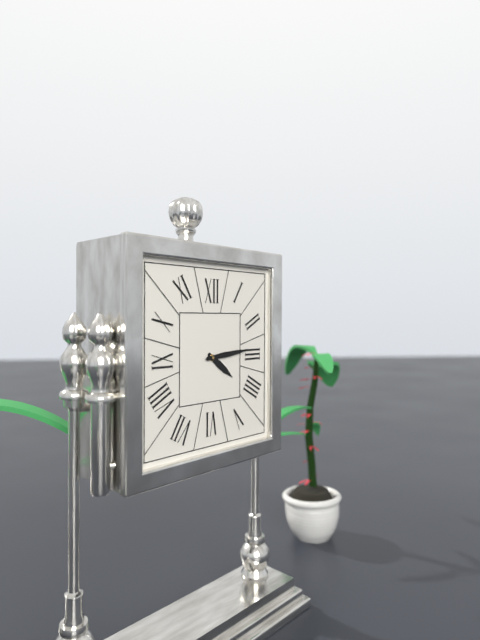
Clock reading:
4.14
